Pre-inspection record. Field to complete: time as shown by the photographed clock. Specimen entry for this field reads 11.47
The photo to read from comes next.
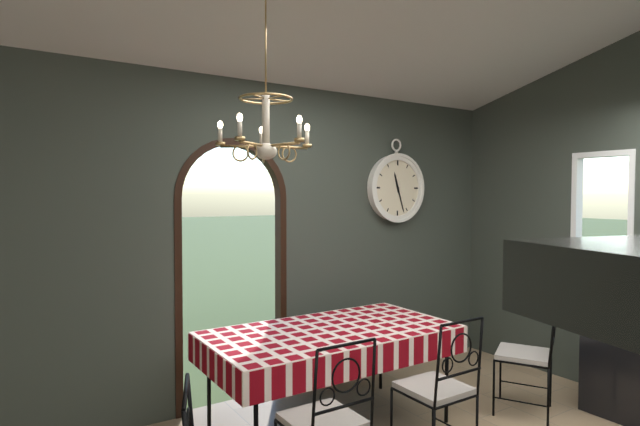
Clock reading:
11.27
